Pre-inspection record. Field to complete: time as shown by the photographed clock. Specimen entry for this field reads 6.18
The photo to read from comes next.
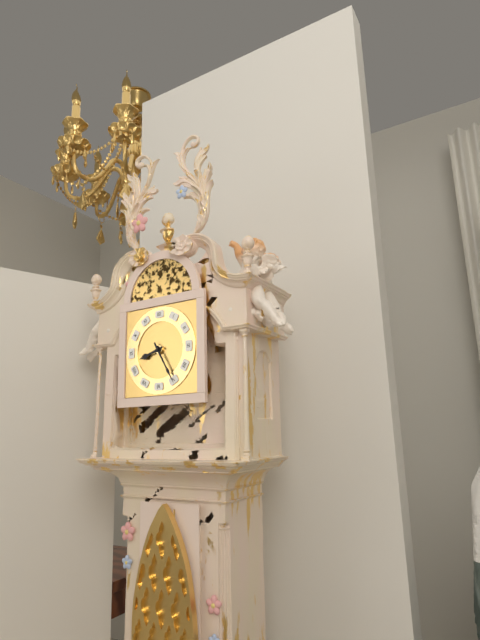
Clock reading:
8.25
